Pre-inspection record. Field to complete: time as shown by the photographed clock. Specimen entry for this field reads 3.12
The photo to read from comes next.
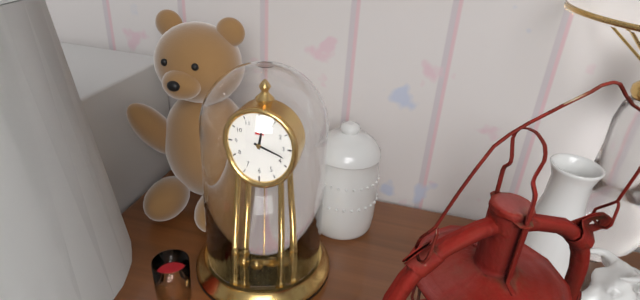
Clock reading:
12.18
